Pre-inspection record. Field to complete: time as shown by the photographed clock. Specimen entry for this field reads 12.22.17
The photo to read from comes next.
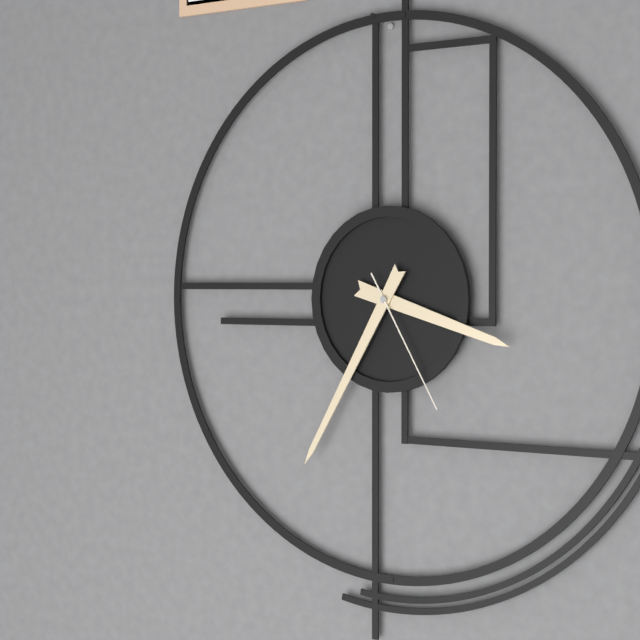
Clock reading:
3.35.25
